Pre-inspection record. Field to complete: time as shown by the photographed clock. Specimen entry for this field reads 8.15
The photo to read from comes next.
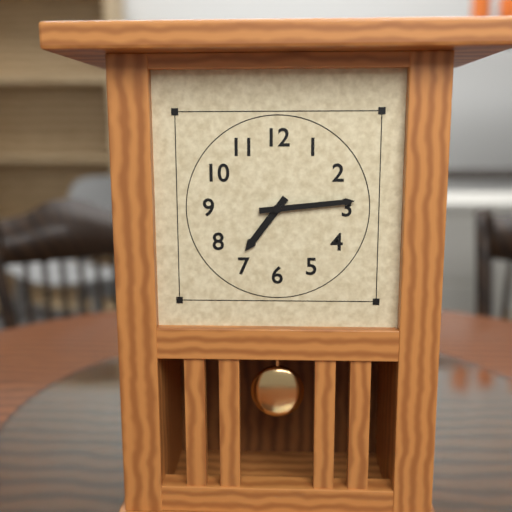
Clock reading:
7.14
